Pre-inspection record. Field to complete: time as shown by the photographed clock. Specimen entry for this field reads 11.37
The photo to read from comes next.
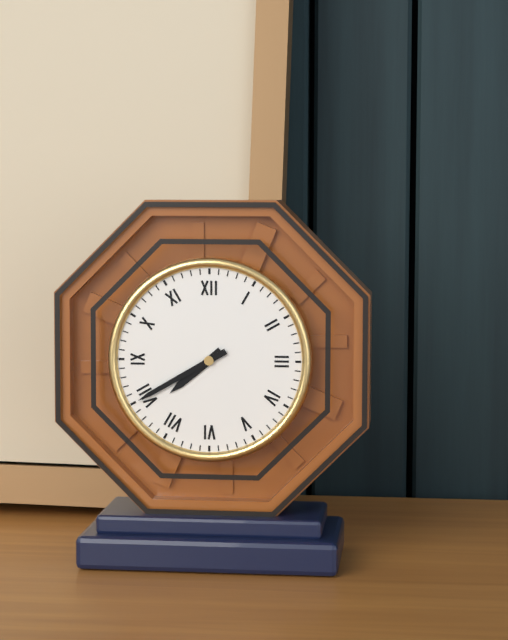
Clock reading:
7.40
